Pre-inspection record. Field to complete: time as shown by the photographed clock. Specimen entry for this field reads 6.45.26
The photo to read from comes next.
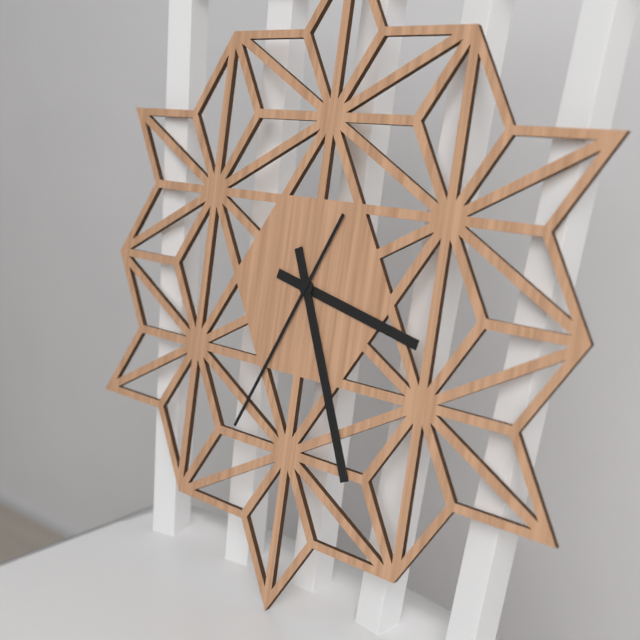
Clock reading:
3.26.34
